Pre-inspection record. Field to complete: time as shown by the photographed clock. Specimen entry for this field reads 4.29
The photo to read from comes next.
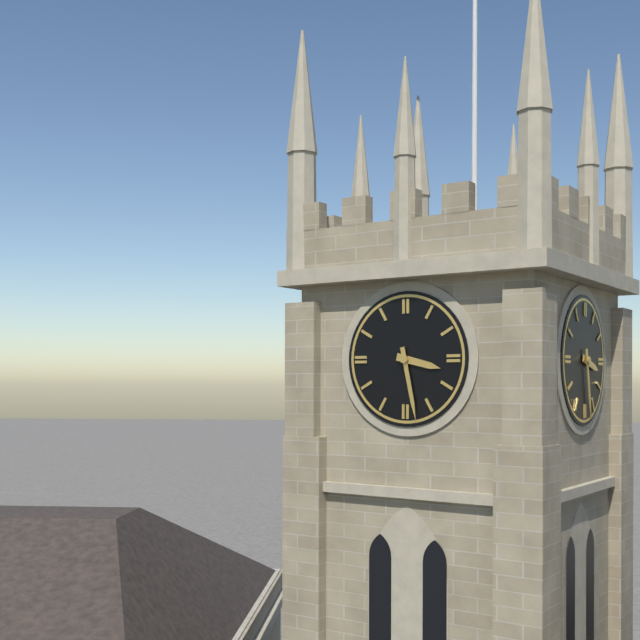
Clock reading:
3.28
